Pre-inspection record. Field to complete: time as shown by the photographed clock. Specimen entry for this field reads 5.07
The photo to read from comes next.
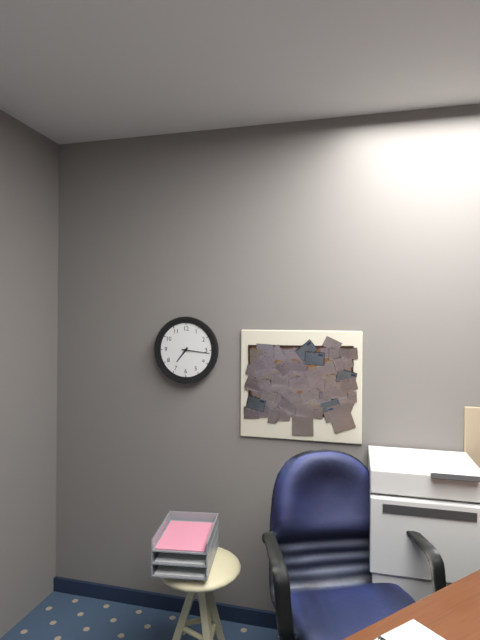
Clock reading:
7.16
